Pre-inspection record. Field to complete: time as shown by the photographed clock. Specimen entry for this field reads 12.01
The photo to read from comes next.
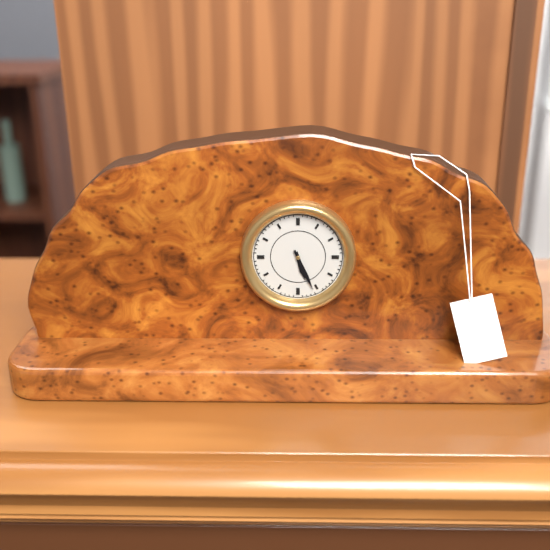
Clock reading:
5.26
